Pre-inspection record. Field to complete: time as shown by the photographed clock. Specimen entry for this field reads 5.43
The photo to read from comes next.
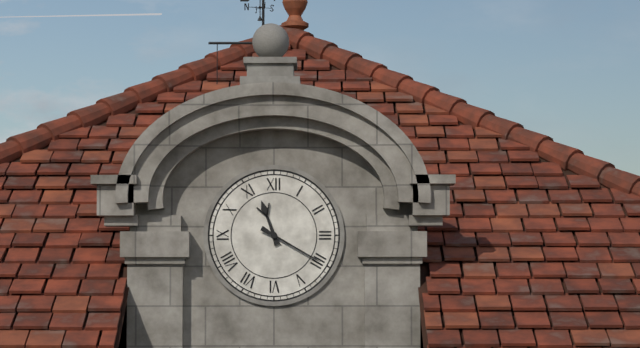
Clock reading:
11.20
